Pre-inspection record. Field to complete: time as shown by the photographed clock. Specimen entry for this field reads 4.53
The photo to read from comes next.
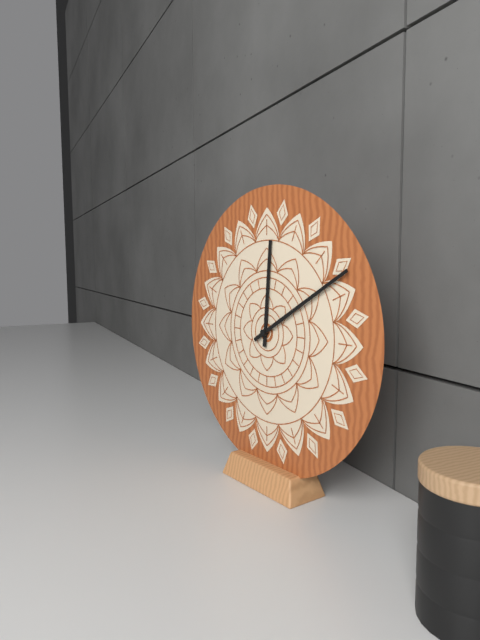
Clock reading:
12.10
